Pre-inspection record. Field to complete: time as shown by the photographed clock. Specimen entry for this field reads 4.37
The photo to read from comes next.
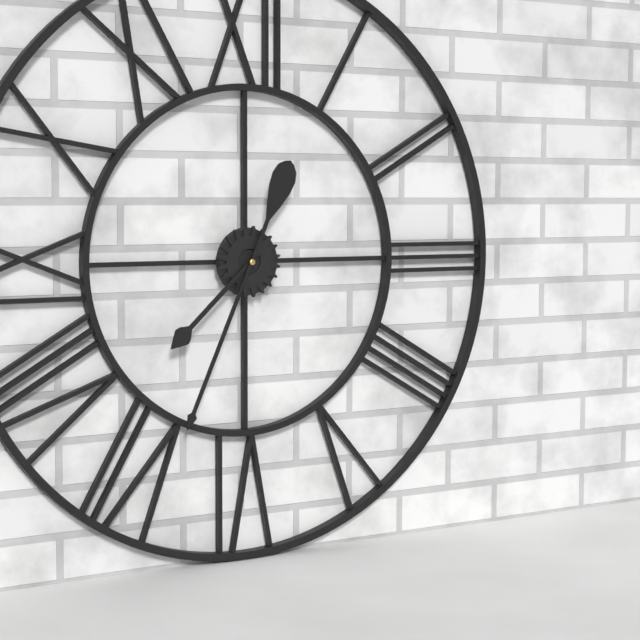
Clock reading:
7.34
